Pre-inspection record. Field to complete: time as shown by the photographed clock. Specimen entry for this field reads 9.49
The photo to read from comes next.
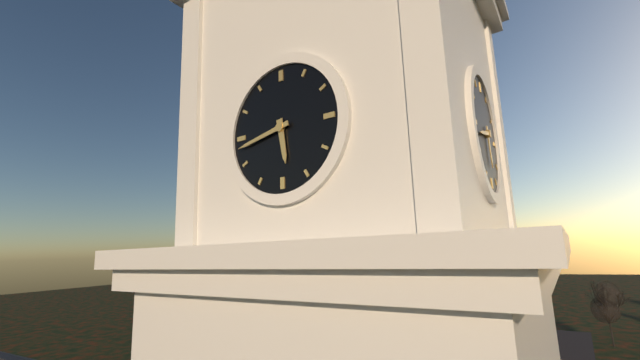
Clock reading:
5.43
